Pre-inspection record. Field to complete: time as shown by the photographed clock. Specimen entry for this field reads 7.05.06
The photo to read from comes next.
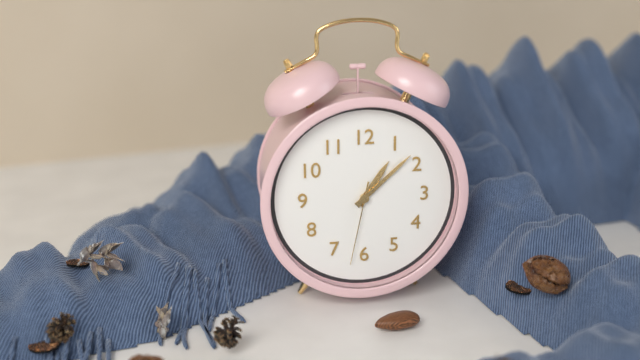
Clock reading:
1.08.32
